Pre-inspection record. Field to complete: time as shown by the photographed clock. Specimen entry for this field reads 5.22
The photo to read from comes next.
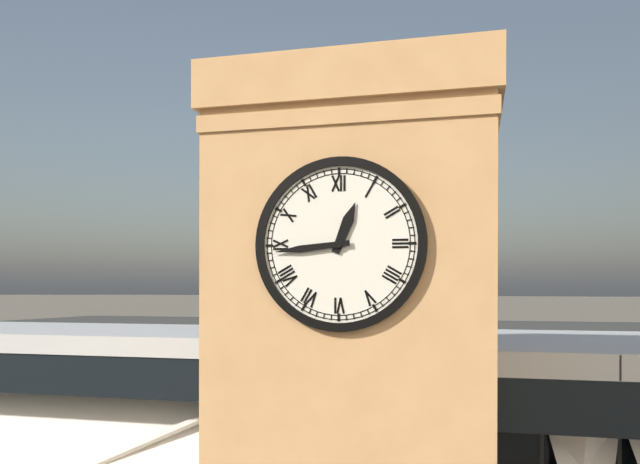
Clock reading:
12.44
